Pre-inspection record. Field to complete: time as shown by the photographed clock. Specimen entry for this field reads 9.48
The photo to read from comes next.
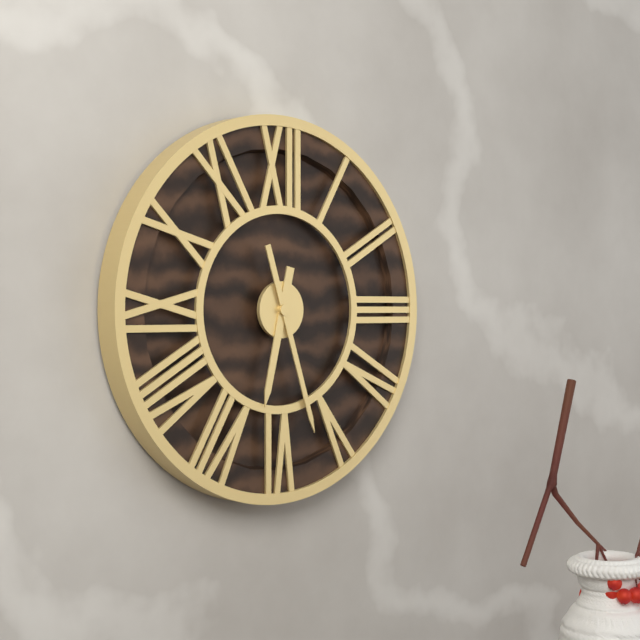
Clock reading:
6.27
